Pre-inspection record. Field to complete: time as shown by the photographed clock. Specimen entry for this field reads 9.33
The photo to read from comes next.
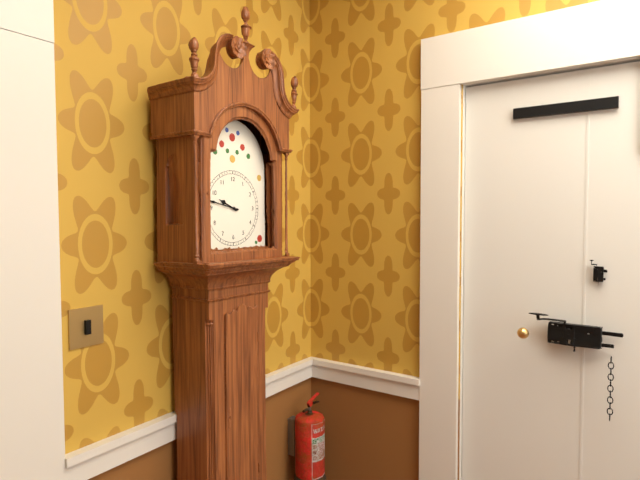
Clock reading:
9.47
